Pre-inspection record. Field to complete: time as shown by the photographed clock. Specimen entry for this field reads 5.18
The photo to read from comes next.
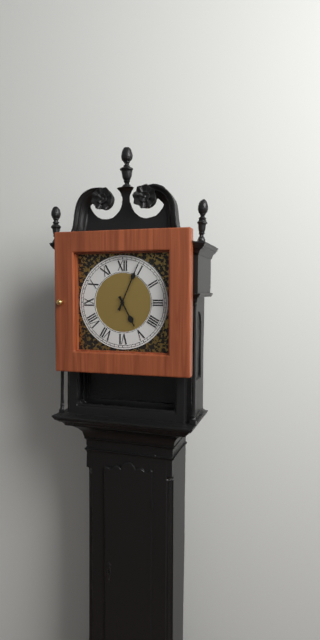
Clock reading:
5.04
